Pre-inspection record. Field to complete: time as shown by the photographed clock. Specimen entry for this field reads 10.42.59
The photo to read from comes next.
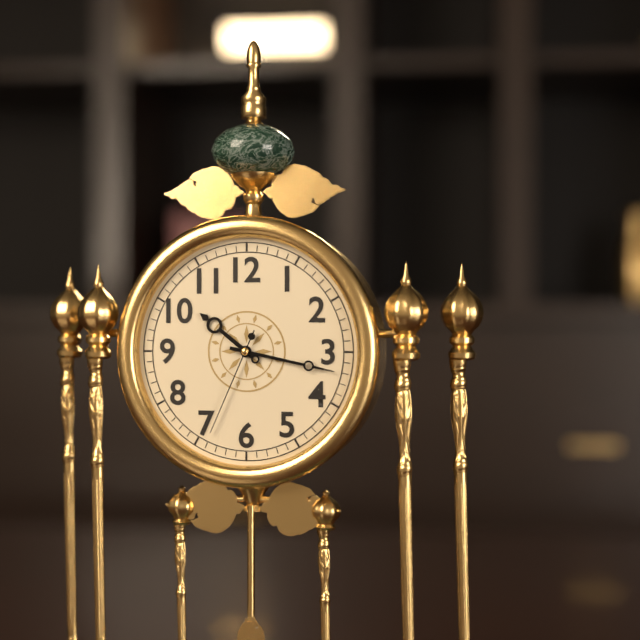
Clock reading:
10.17.34
